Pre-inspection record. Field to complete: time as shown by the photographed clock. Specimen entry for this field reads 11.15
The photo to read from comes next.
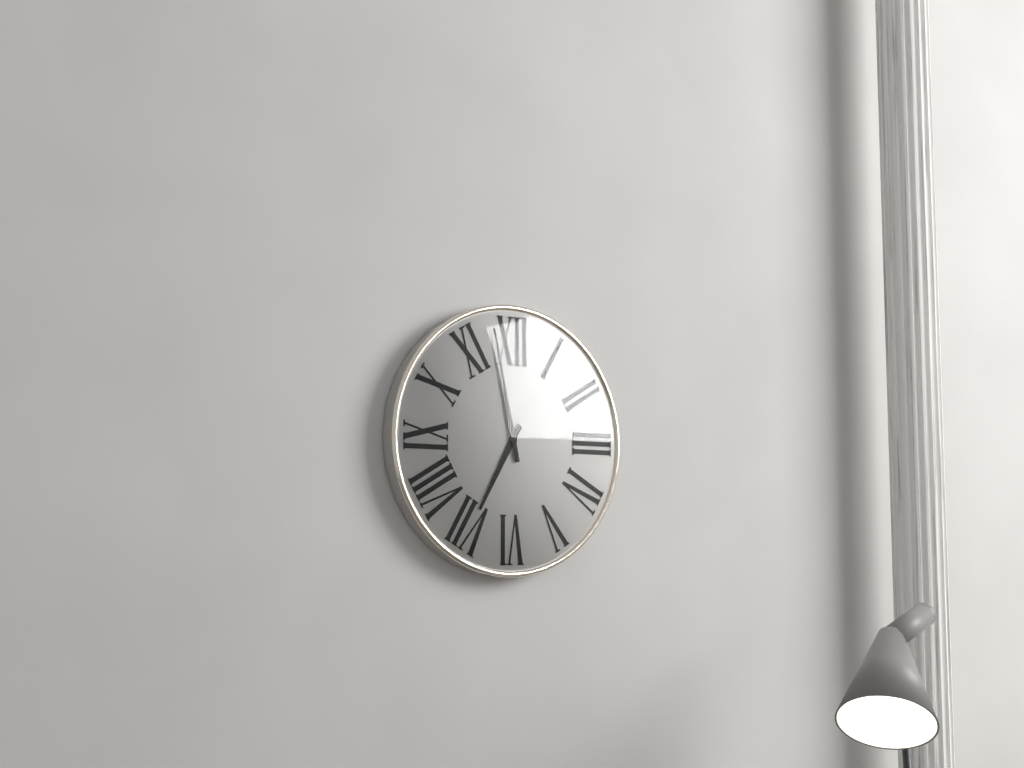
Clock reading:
6.58
